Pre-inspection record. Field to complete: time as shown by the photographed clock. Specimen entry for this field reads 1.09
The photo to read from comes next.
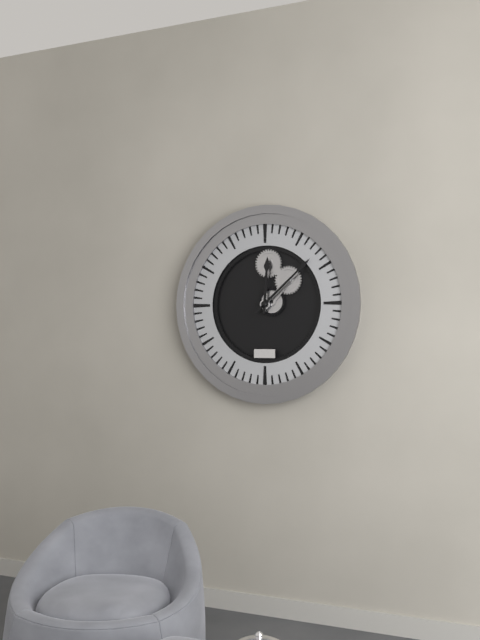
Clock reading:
12.08
